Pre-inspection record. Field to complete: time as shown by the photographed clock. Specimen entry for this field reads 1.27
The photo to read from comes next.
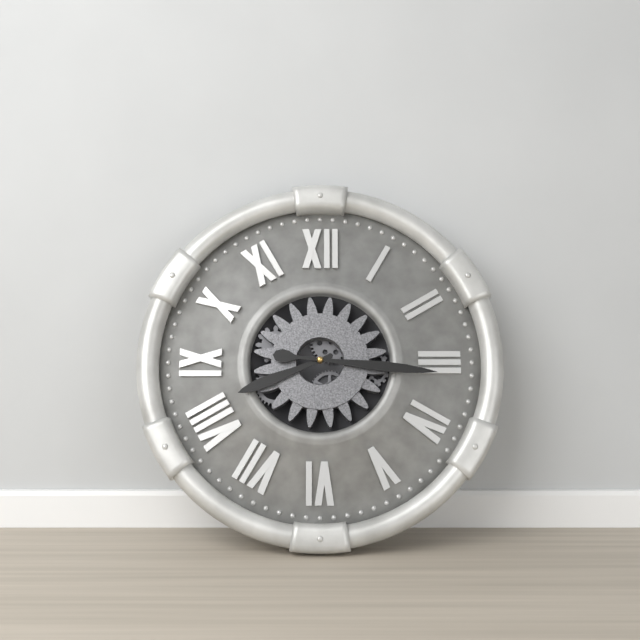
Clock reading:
8.16
